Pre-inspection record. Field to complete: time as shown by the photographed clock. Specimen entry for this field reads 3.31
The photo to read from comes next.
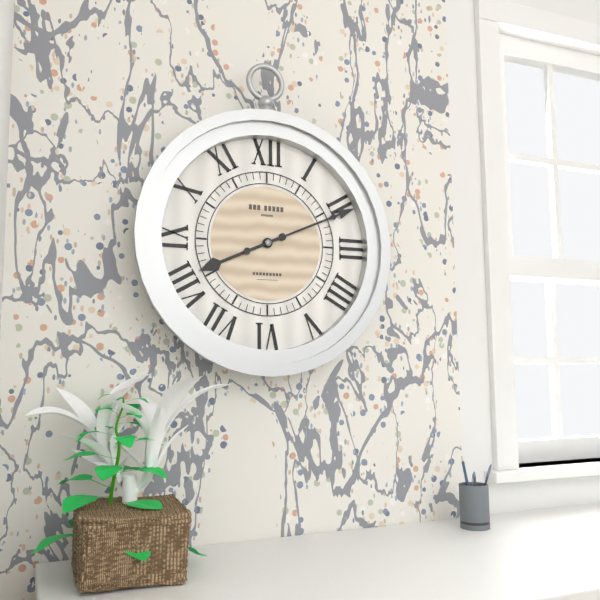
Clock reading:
8.11
